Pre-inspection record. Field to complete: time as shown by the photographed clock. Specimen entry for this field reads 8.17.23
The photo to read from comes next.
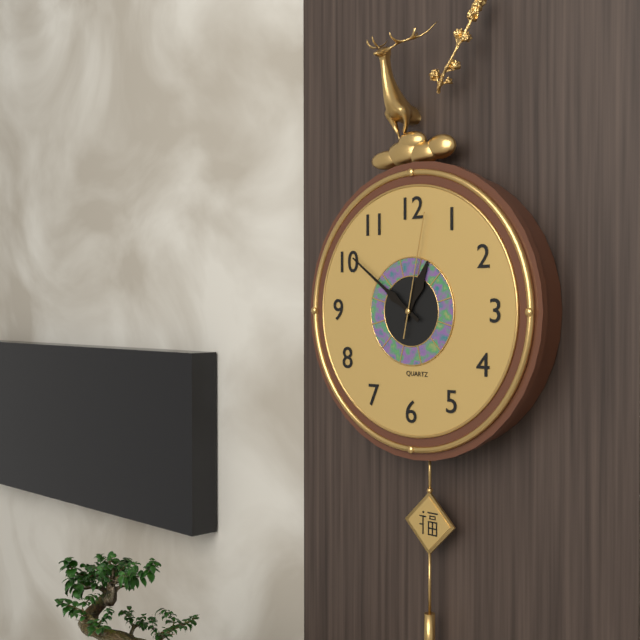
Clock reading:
12.51.02
